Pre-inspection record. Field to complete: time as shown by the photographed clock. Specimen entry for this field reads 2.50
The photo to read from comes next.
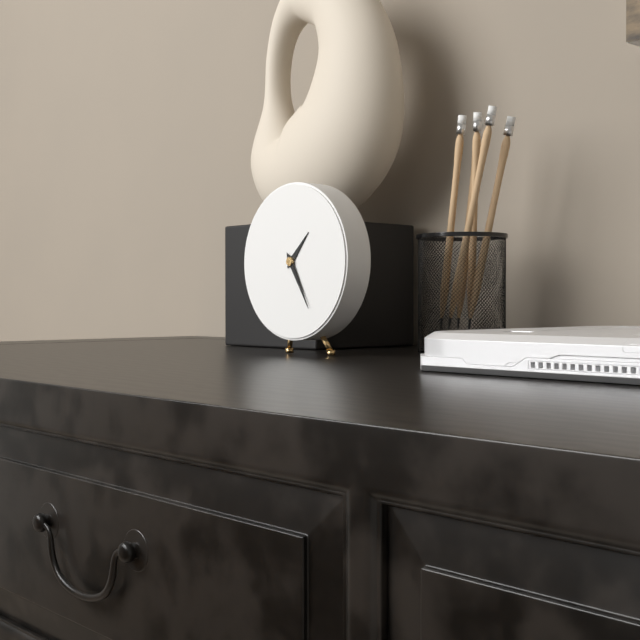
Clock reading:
1.25
